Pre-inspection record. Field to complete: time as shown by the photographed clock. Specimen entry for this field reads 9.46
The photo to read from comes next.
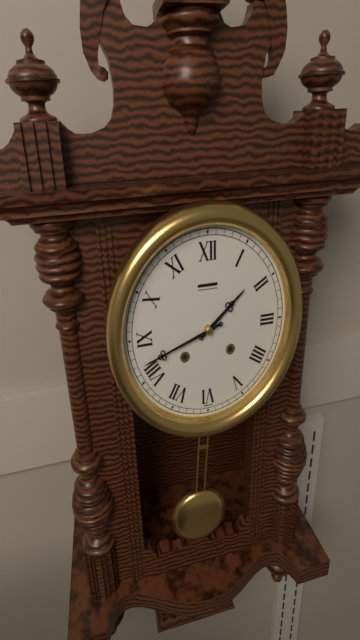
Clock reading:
1.42
